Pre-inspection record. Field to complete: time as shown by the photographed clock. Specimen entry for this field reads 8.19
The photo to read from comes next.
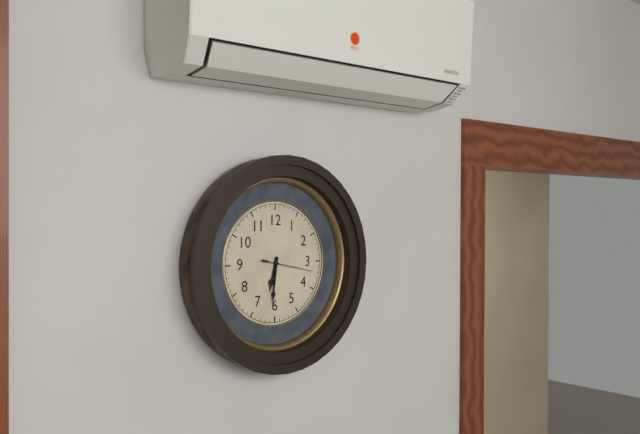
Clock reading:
6.31
